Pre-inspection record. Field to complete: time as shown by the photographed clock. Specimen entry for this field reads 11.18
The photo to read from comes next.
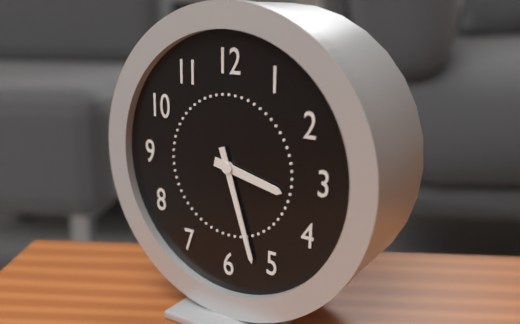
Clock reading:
3.27
